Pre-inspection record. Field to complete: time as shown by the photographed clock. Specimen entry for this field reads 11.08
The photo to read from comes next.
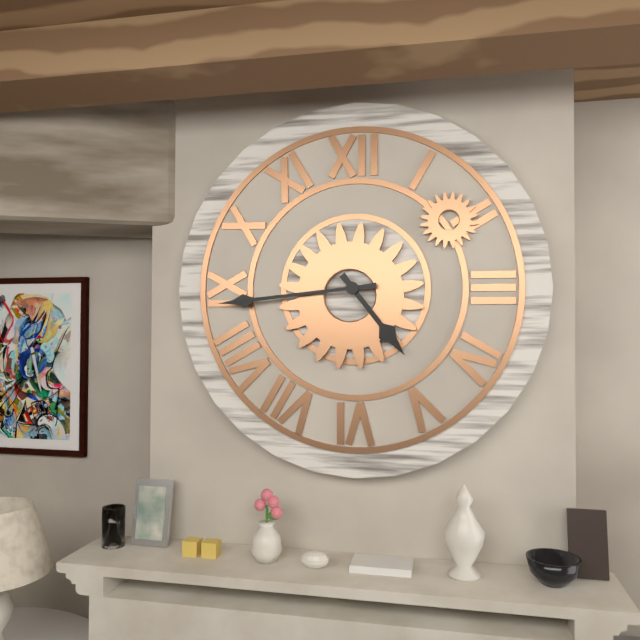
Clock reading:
4.44
